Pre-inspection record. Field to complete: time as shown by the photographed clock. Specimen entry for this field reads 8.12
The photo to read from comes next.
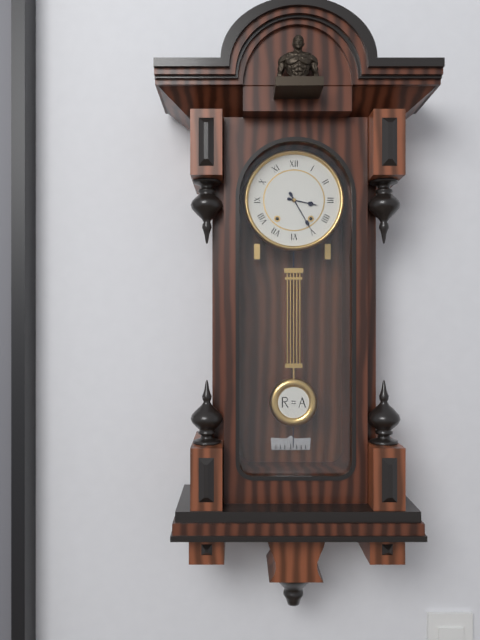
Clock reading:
3.25
